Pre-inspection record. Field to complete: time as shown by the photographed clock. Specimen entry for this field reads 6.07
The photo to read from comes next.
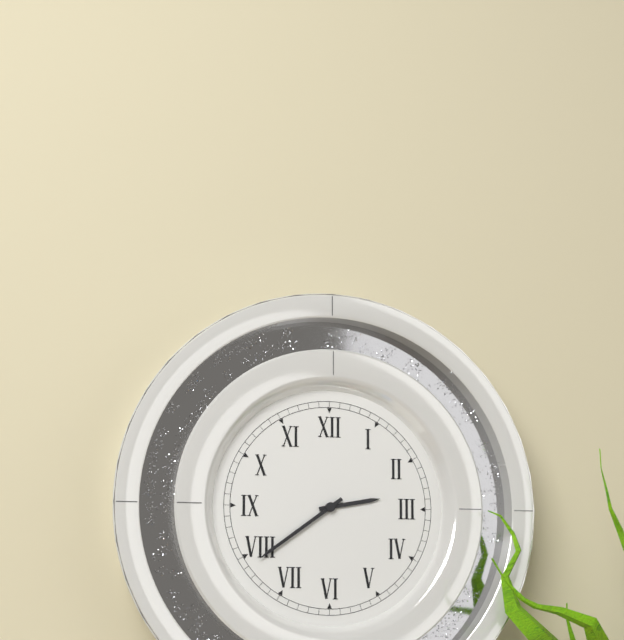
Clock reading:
2.39
